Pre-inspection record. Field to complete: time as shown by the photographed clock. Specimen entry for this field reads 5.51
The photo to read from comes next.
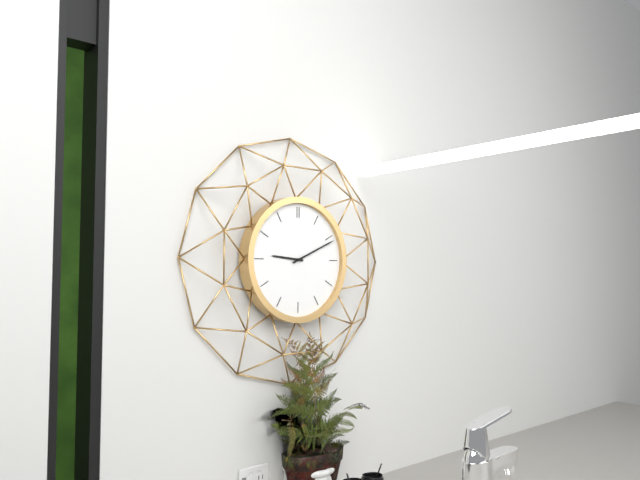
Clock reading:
9.11
